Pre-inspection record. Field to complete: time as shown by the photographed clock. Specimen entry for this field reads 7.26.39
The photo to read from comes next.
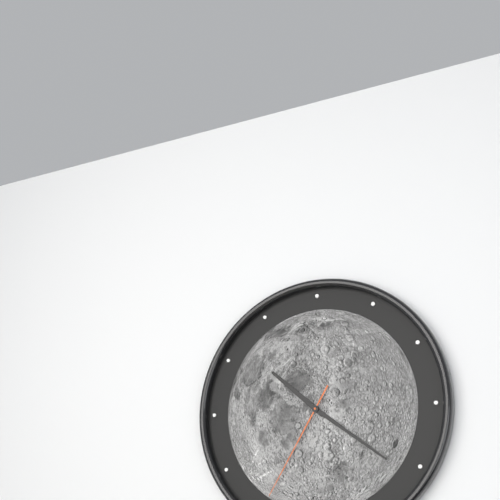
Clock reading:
10.21.35
